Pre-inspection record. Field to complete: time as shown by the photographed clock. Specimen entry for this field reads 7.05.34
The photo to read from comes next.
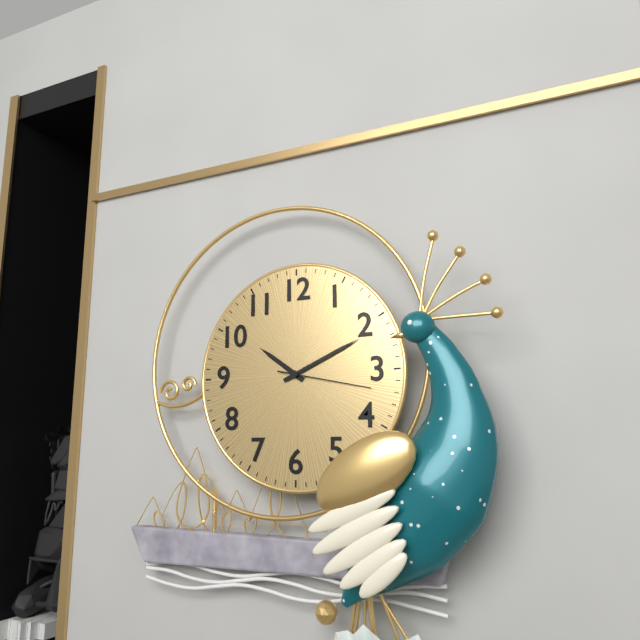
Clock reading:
10.11.17
